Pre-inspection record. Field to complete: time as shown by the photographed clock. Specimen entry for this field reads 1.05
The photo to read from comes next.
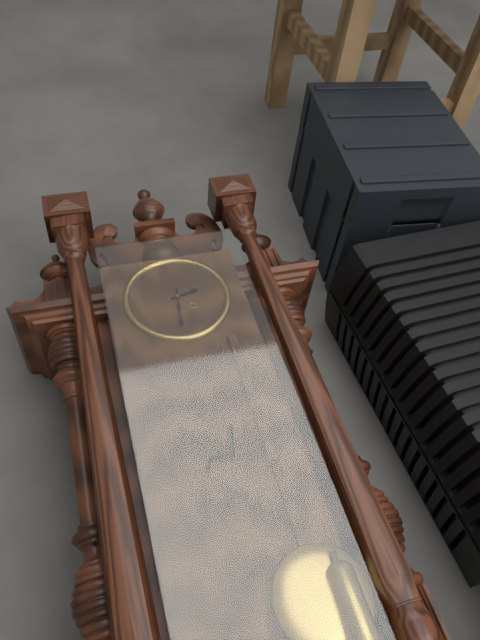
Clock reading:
2.31
